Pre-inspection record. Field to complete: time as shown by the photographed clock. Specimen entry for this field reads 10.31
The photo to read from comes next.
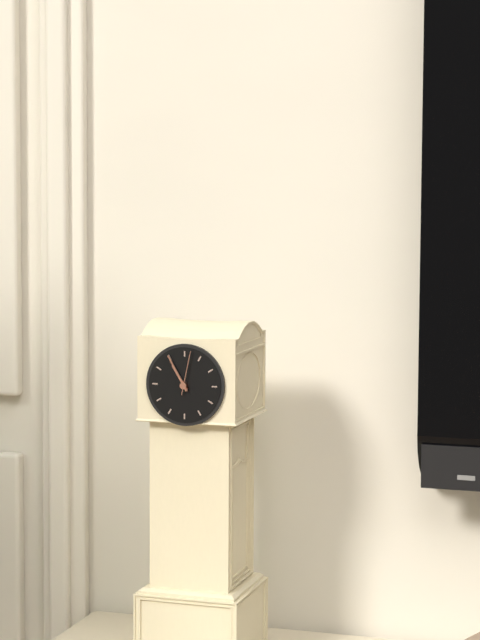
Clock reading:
10.55
